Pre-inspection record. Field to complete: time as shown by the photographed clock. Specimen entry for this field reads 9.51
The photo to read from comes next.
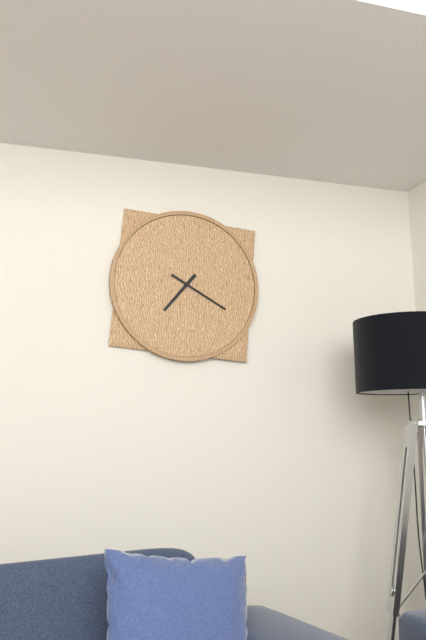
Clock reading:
7.20
